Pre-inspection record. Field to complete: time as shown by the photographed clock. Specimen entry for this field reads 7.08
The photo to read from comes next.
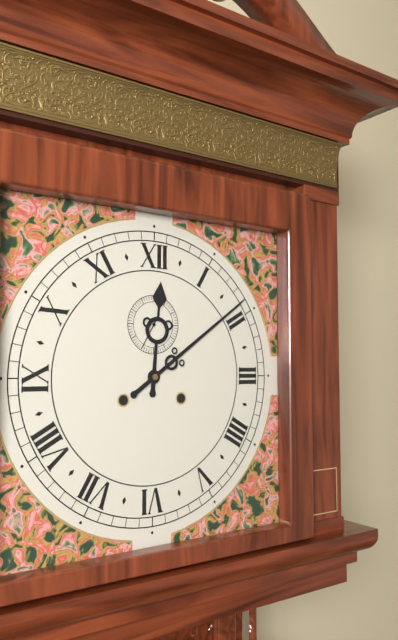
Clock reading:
12.09
